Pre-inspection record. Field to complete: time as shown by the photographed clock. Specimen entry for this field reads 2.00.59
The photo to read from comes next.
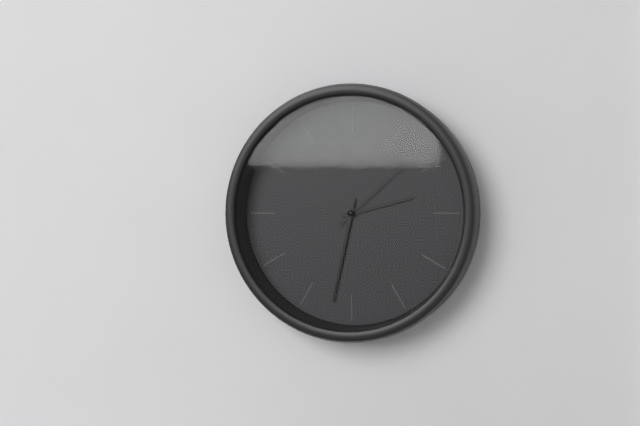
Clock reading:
2.32.08
